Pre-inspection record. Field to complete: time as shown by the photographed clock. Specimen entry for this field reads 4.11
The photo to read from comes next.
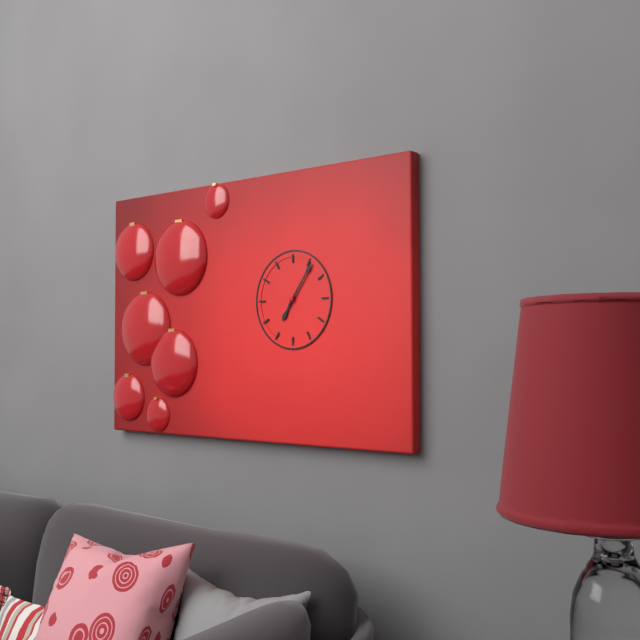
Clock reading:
7.06
